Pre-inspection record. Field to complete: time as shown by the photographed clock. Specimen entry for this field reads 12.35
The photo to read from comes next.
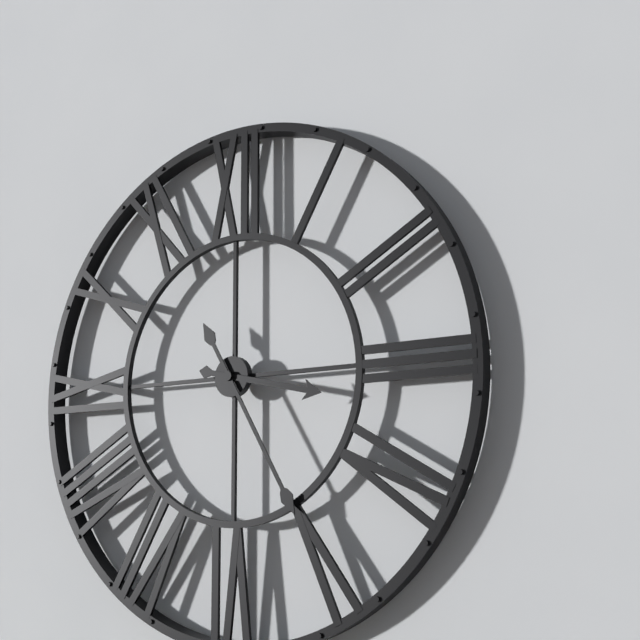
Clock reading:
3.25
